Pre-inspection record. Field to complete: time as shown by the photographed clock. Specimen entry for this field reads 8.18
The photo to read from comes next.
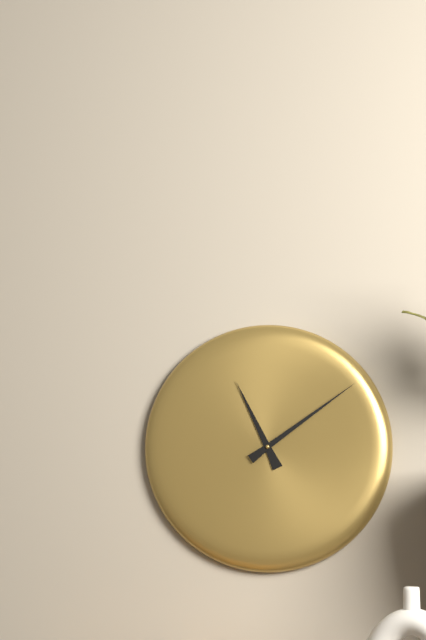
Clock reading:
11.09
